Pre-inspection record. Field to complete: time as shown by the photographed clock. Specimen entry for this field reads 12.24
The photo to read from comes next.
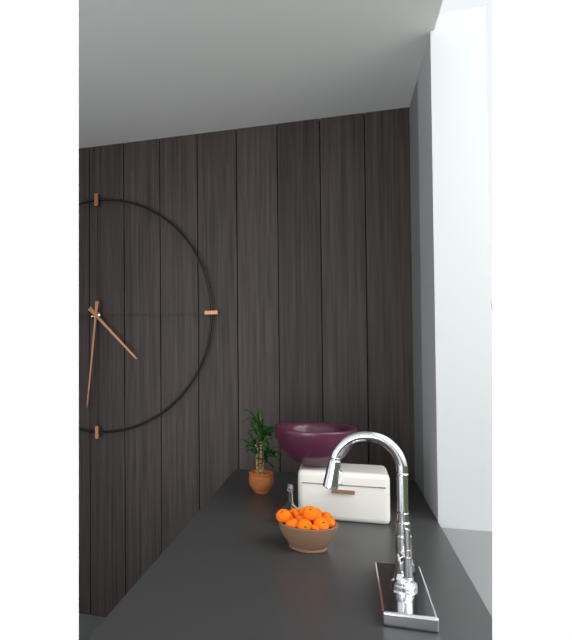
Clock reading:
4.31
